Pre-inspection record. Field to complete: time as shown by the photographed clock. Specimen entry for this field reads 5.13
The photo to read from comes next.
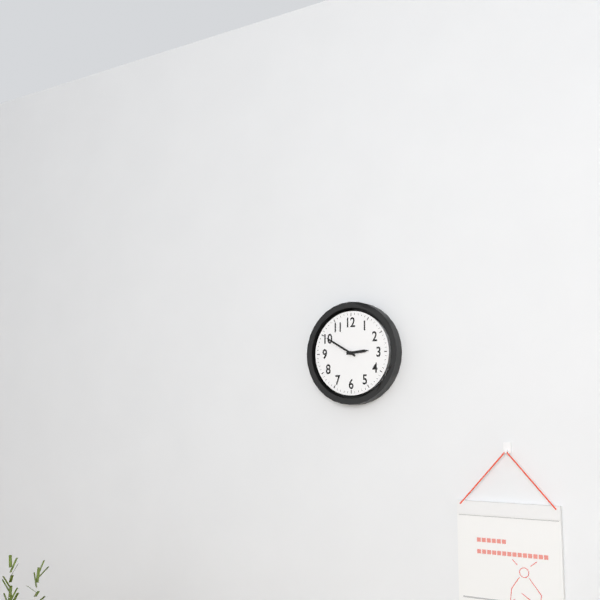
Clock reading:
2.50
